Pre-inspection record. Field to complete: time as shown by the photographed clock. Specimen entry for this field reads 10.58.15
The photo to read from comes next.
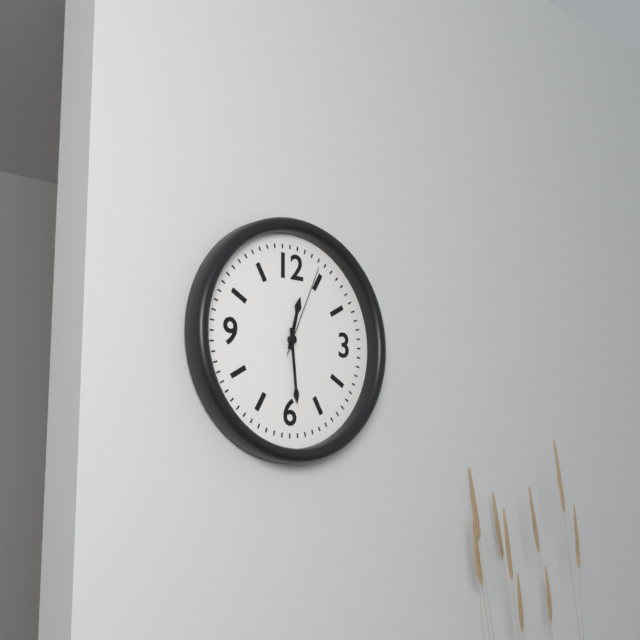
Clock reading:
12.29.04
